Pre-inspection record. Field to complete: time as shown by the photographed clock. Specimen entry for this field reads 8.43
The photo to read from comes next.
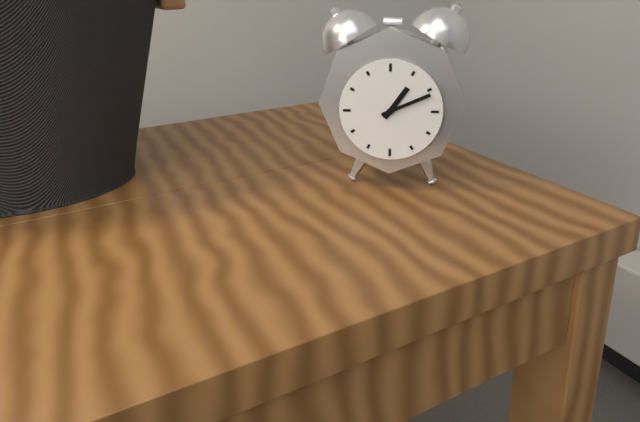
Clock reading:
1.11
